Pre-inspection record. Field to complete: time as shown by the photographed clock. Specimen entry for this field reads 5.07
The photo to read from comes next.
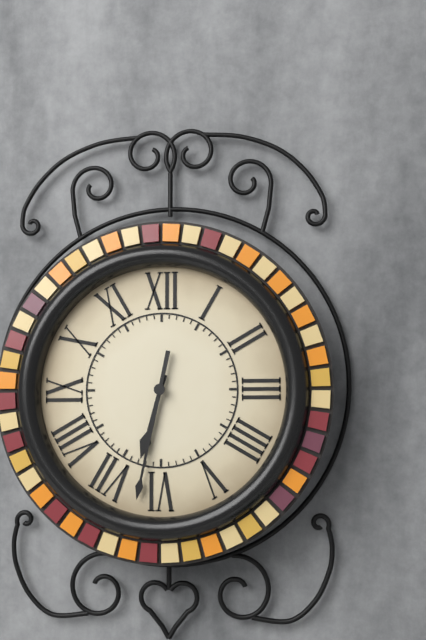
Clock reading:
6.32
